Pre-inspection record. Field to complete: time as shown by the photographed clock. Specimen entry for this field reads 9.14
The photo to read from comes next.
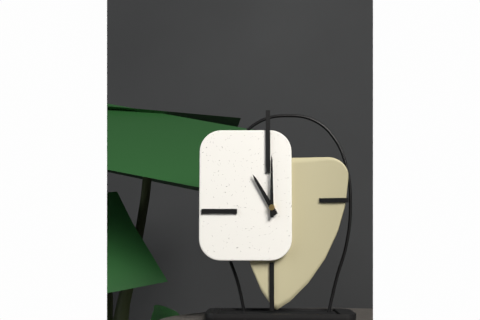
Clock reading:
11.00
